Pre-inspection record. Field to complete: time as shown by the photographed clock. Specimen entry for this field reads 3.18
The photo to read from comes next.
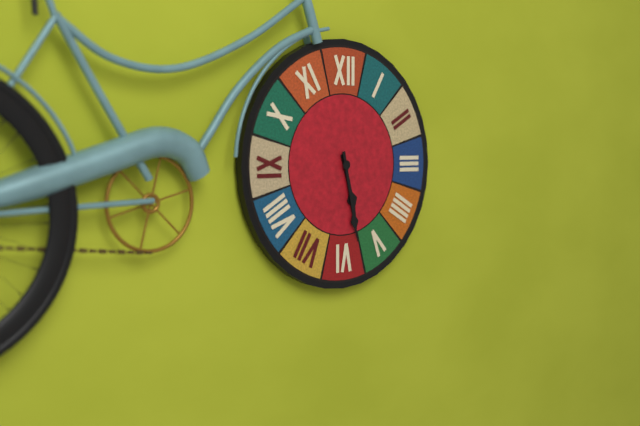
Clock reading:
5.28
